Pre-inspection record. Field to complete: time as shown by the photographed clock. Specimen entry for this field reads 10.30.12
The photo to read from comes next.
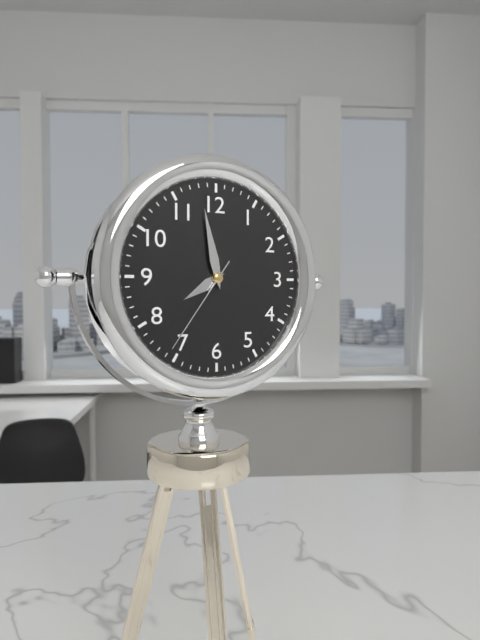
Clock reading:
7.58.36
